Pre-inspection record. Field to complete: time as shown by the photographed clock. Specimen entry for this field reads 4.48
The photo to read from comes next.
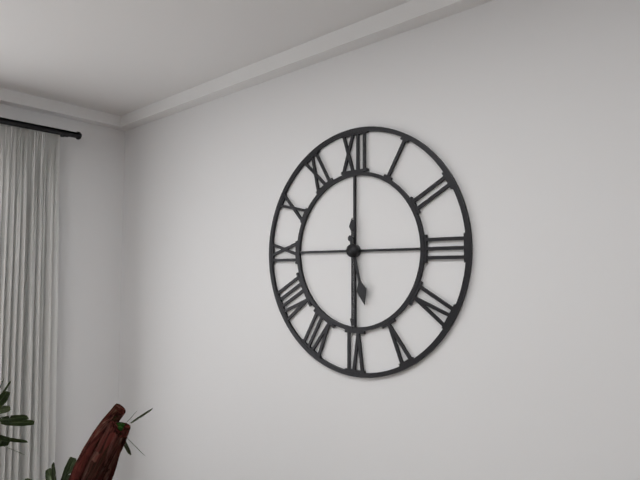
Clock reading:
5.30
